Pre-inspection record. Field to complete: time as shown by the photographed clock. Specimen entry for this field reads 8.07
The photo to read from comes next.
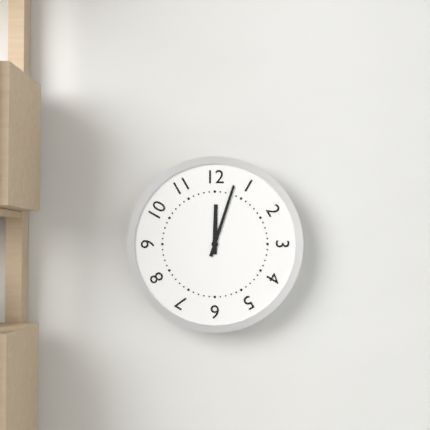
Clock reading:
12.03
